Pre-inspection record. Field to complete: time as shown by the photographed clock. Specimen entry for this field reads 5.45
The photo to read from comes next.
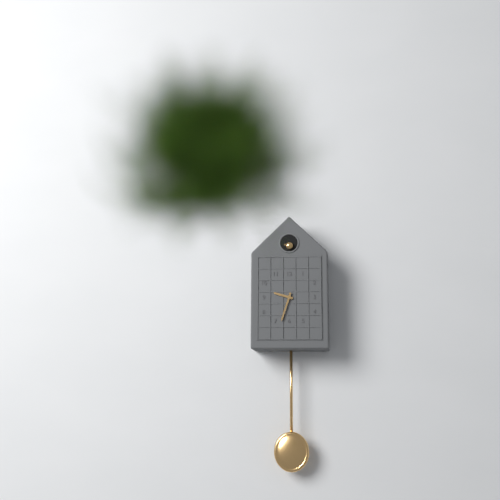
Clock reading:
9.33
